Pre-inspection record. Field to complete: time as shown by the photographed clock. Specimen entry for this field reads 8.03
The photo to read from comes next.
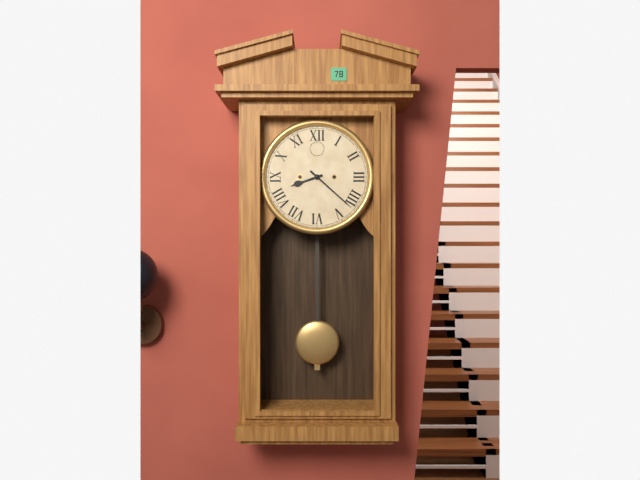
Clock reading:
8.22
